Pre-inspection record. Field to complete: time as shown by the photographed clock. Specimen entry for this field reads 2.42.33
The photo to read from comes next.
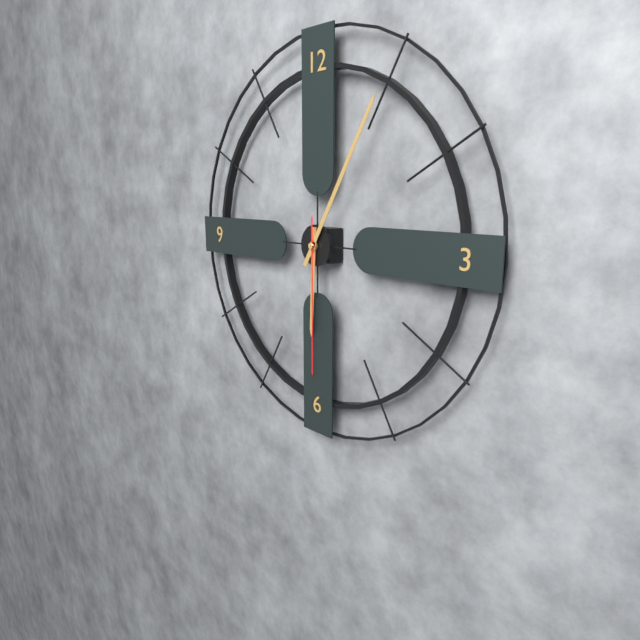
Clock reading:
6.05.30
